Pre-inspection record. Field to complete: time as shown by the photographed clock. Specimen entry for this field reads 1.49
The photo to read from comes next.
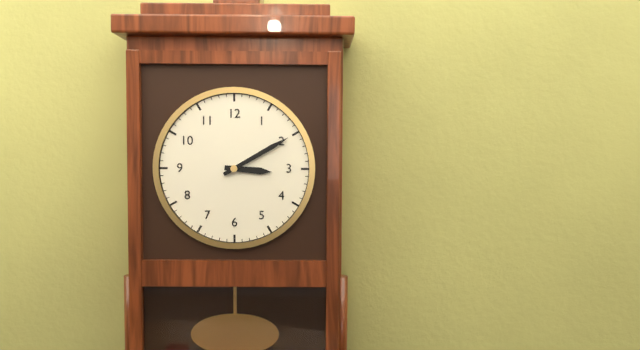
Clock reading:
3.10
